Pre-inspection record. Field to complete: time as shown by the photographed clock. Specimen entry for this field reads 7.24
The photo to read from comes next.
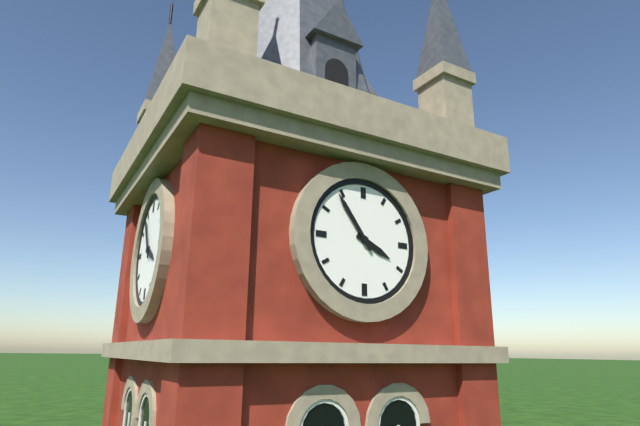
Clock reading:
3.54
